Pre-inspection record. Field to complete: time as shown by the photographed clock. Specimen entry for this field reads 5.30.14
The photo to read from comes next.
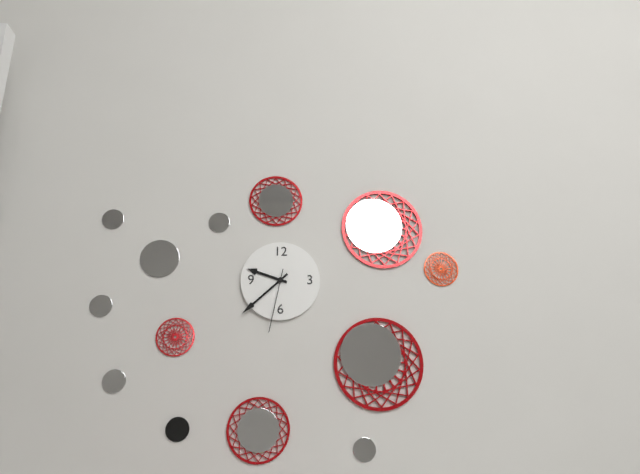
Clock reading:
9.38.32
